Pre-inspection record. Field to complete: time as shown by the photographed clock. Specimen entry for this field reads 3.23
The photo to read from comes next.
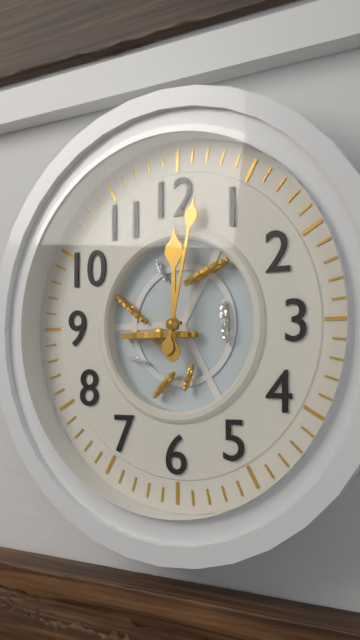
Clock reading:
12.02
